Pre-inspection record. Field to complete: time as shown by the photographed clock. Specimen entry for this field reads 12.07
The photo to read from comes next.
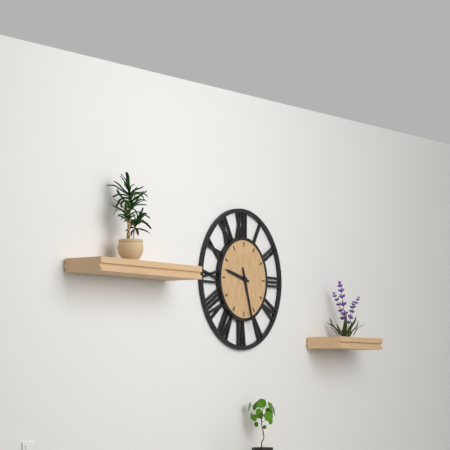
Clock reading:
9.27
